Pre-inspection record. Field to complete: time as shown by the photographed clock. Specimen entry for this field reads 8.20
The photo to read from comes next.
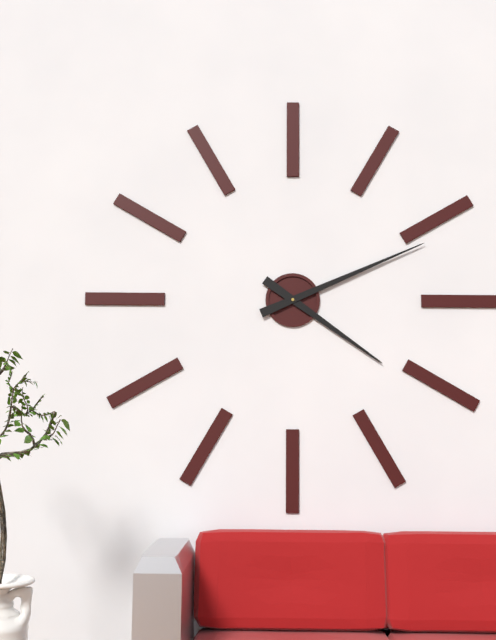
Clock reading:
4.11
